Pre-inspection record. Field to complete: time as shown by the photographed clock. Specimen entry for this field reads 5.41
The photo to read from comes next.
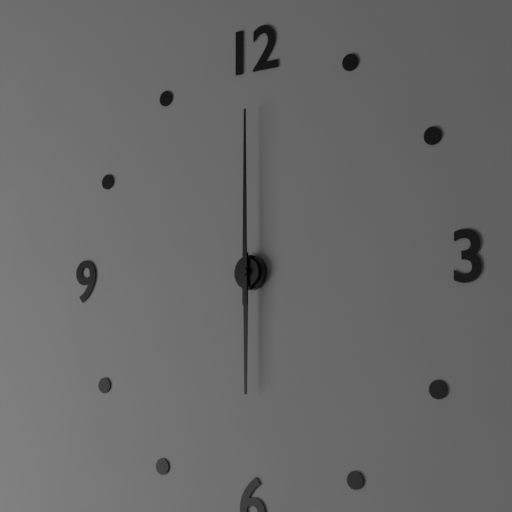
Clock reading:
6.00
